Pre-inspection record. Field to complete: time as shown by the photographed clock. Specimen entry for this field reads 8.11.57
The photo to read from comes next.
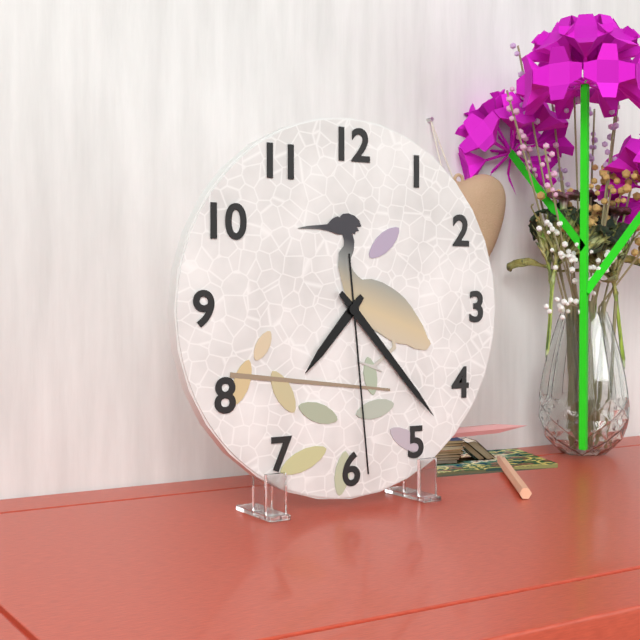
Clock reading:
7.23.29
